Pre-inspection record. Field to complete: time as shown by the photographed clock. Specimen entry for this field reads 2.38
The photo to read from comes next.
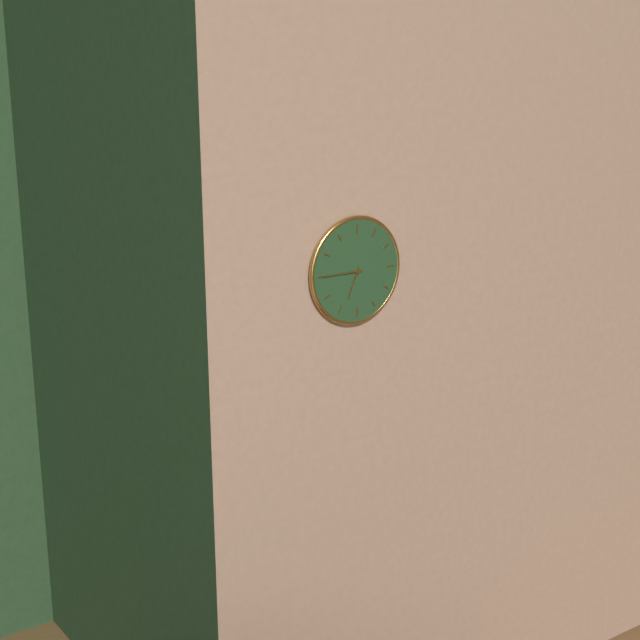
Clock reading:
6.45
